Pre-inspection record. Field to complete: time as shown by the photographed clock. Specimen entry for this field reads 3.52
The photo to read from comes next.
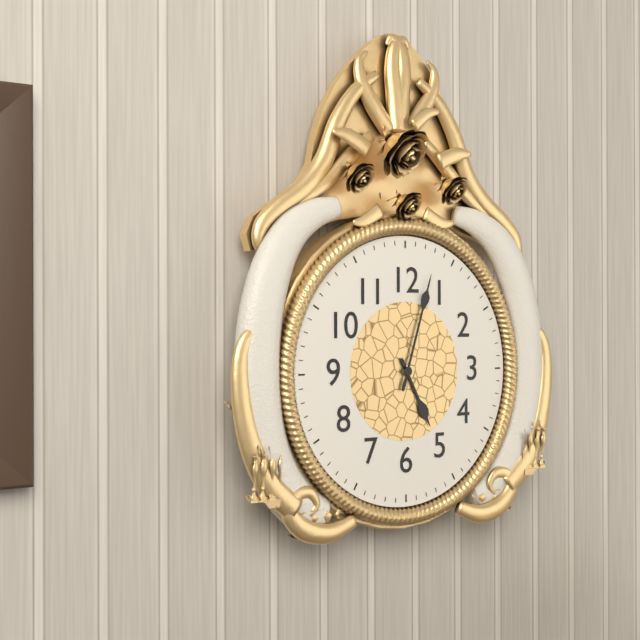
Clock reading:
5.03
